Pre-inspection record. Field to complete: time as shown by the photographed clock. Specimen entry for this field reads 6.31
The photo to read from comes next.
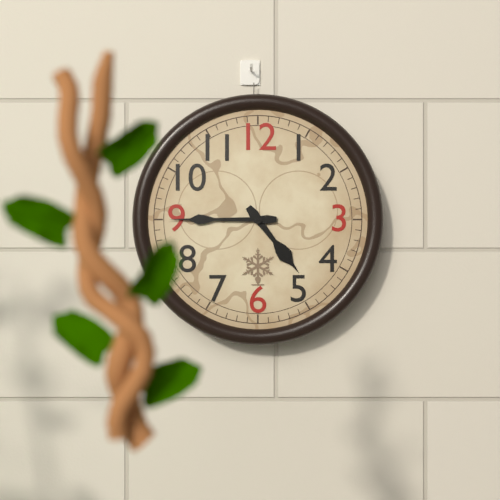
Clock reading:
4.45
